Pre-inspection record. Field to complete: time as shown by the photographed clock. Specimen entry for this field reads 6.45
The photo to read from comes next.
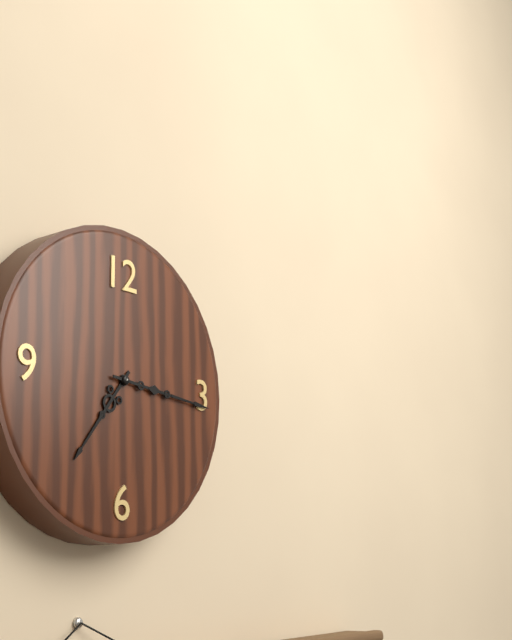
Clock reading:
7.16
